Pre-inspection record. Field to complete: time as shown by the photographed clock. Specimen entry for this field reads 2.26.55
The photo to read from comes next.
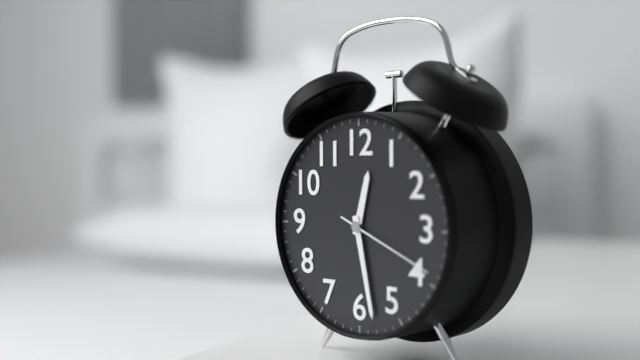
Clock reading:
12.28.19
